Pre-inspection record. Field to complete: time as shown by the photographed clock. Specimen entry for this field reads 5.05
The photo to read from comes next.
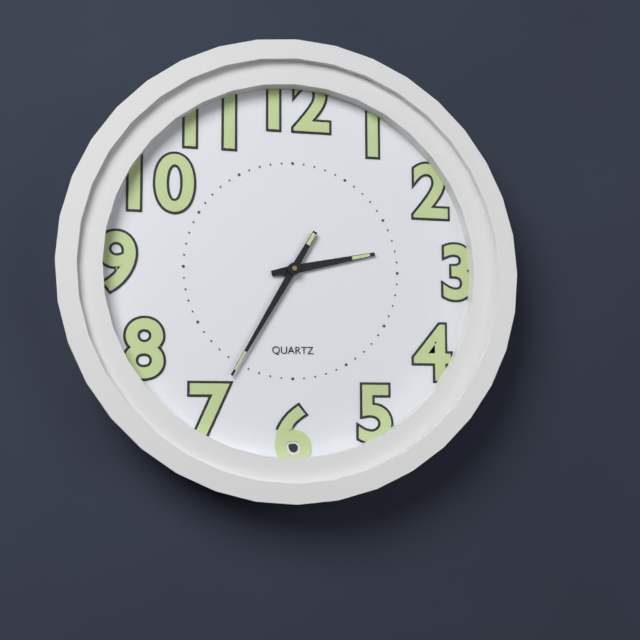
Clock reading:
2.35
